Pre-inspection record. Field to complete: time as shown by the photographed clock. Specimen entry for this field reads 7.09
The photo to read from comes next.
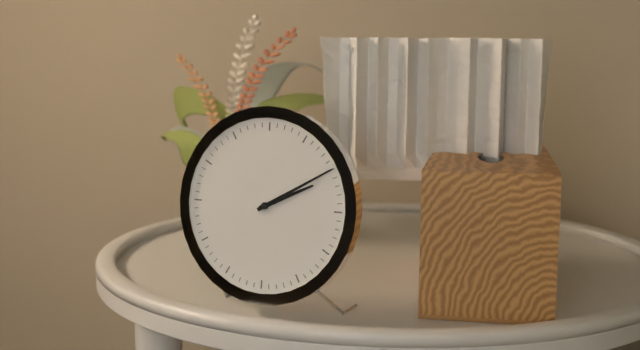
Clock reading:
2.10
